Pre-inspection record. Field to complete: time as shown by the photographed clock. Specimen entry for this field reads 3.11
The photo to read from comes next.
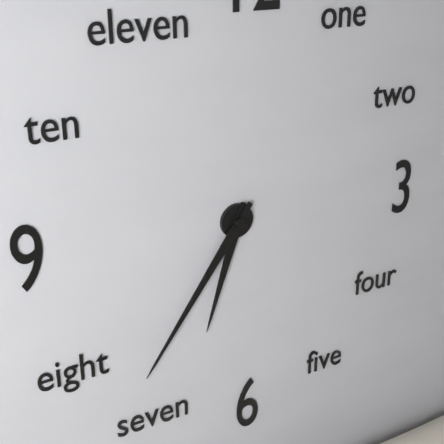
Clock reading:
6.36
